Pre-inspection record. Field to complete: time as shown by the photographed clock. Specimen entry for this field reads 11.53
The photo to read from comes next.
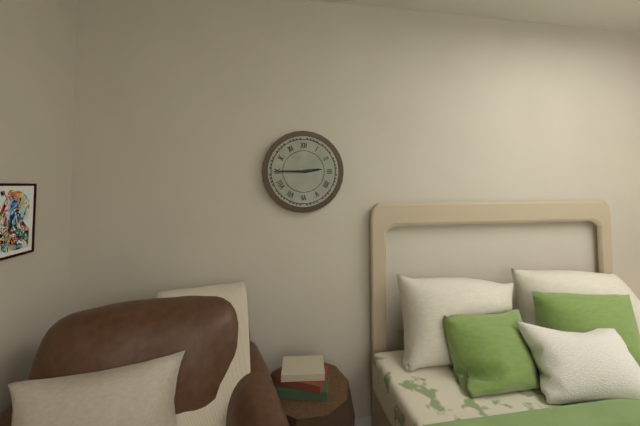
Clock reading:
2.45
